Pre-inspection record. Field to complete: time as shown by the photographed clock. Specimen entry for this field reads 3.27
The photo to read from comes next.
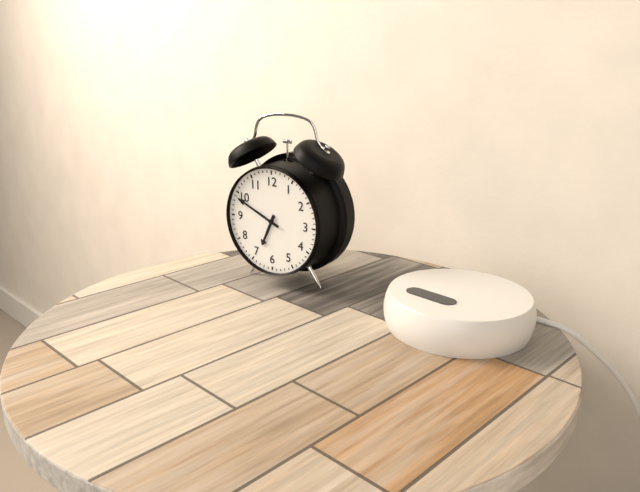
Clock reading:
6.49
